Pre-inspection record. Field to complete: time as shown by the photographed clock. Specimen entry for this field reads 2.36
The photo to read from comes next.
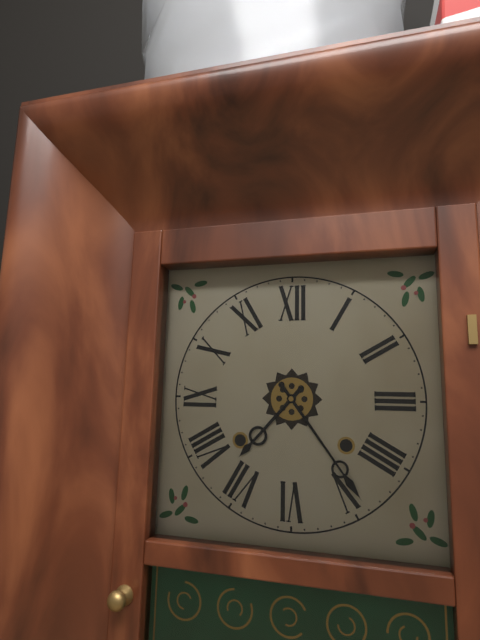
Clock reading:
7.24
